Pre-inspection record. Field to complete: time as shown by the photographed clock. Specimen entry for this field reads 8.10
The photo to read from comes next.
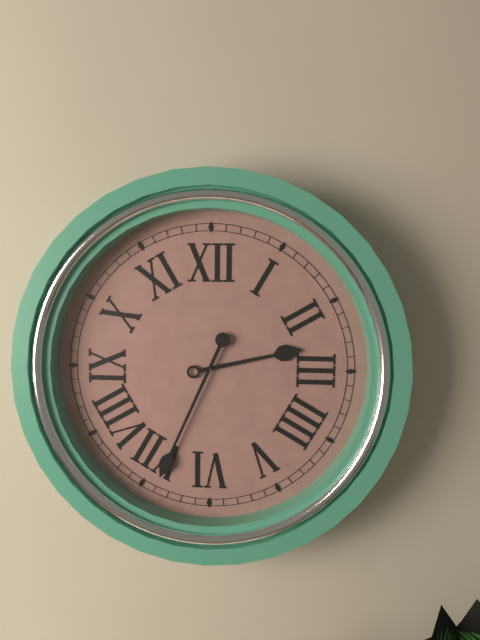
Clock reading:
2.34
